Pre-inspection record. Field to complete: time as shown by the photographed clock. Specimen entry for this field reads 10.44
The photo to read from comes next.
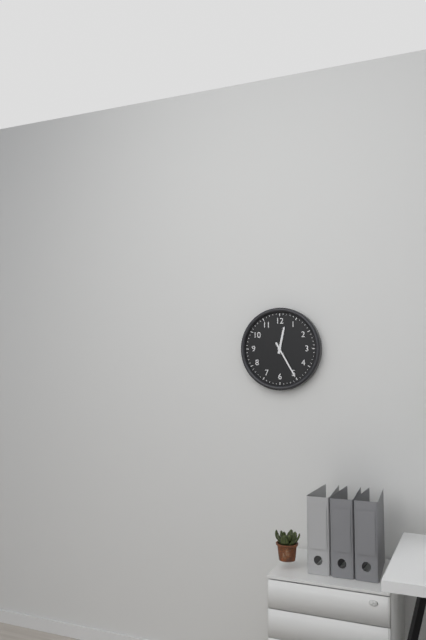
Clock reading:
12.25
